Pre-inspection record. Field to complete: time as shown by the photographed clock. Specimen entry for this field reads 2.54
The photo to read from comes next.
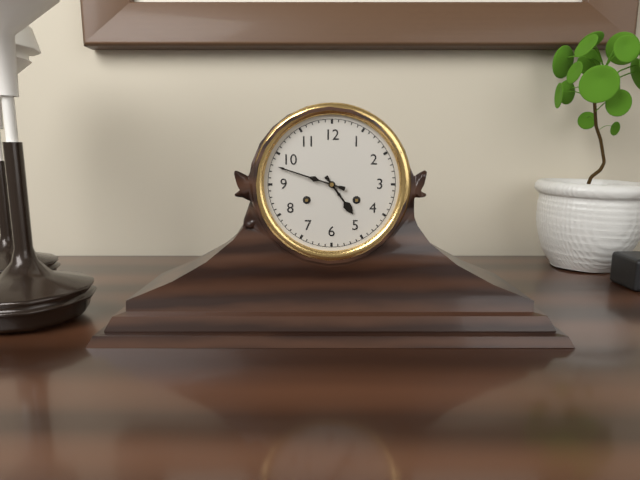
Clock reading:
4.48
